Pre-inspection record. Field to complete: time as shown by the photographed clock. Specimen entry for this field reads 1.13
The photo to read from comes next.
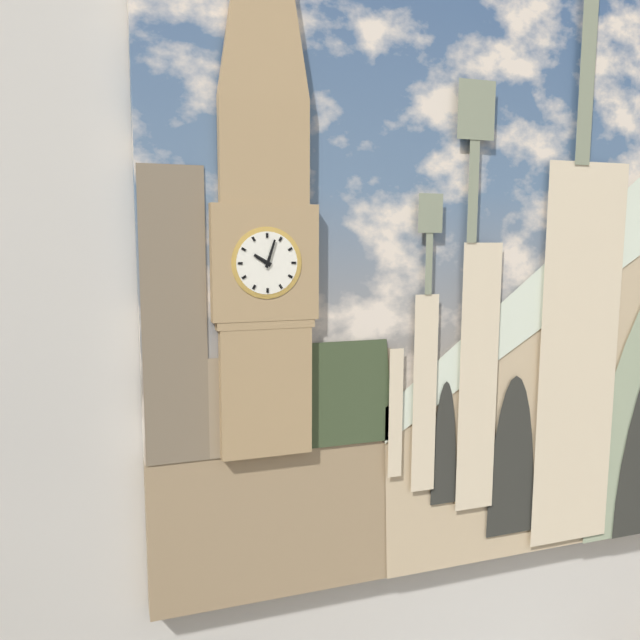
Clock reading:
10.03
